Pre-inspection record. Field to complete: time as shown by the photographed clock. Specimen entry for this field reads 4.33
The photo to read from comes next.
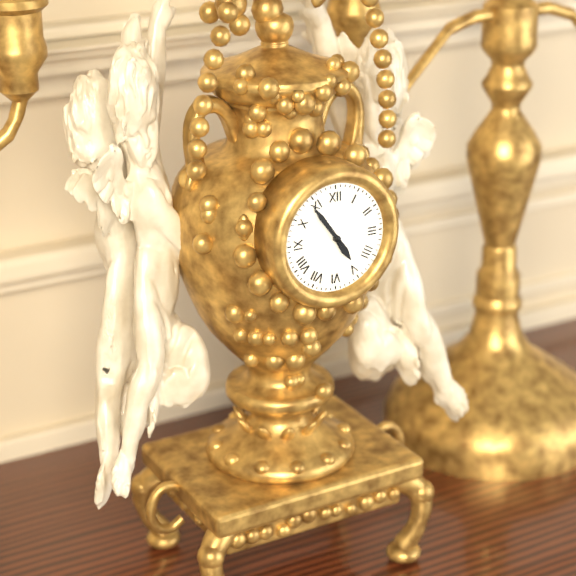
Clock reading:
4.54
